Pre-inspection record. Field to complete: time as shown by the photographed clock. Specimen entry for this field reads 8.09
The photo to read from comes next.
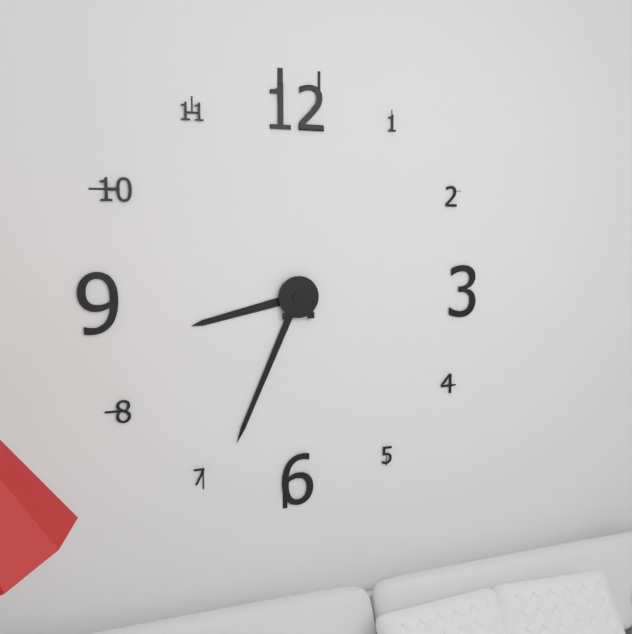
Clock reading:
8.34
